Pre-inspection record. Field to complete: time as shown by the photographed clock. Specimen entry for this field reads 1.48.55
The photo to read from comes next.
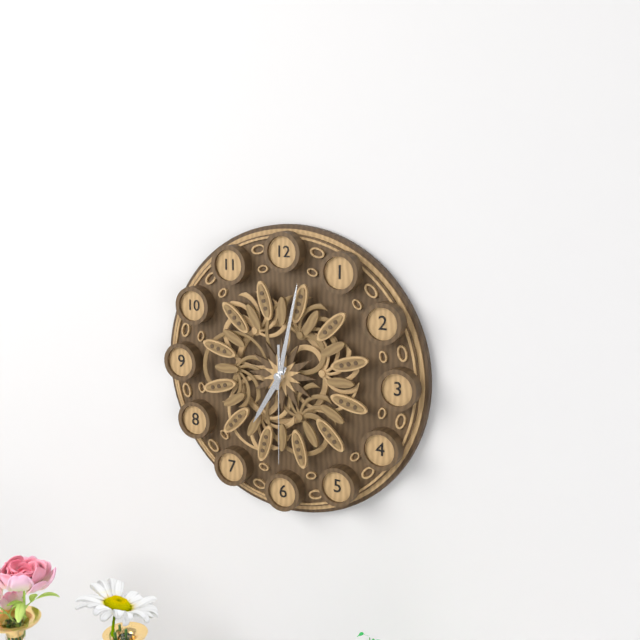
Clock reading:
7.02.30
